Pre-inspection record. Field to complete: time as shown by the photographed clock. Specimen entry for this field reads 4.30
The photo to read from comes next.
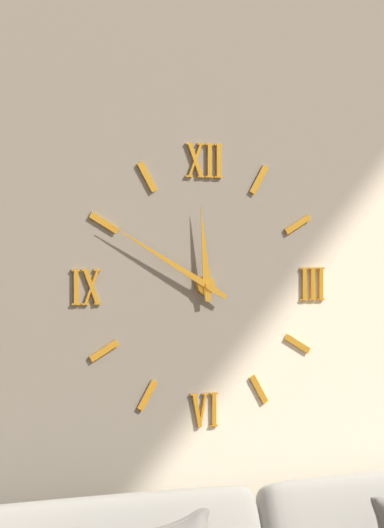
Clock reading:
11.50
